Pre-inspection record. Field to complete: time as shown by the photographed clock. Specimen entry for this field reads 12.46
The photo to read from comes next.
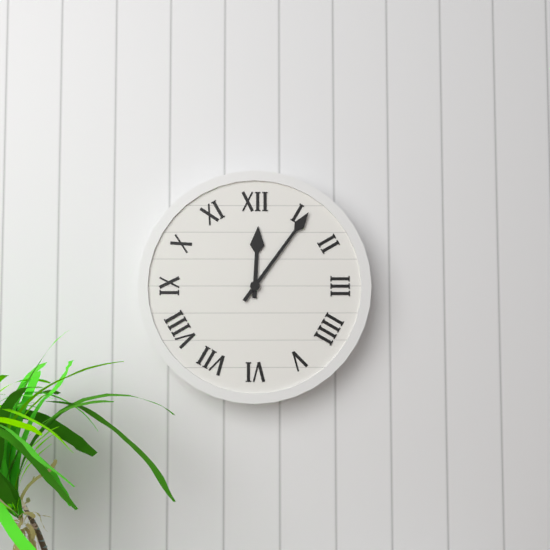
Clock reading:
12.06
